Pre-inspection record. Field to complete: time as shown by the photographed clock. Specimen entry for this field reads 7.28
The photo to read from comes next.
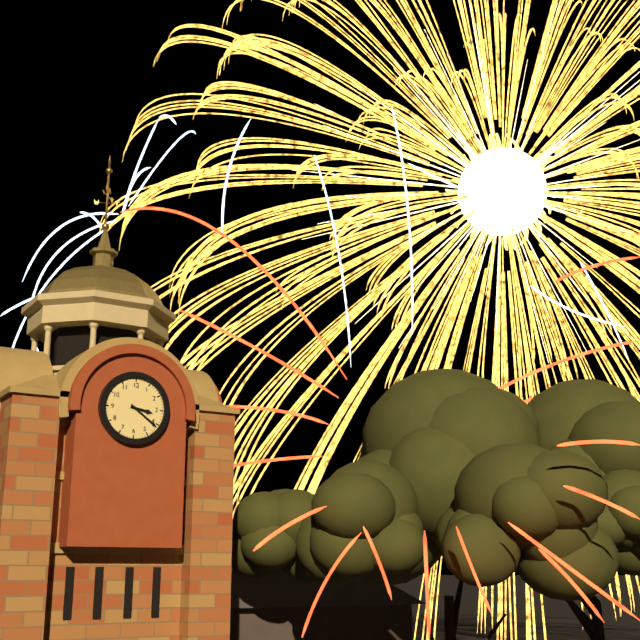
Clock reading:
3.21
